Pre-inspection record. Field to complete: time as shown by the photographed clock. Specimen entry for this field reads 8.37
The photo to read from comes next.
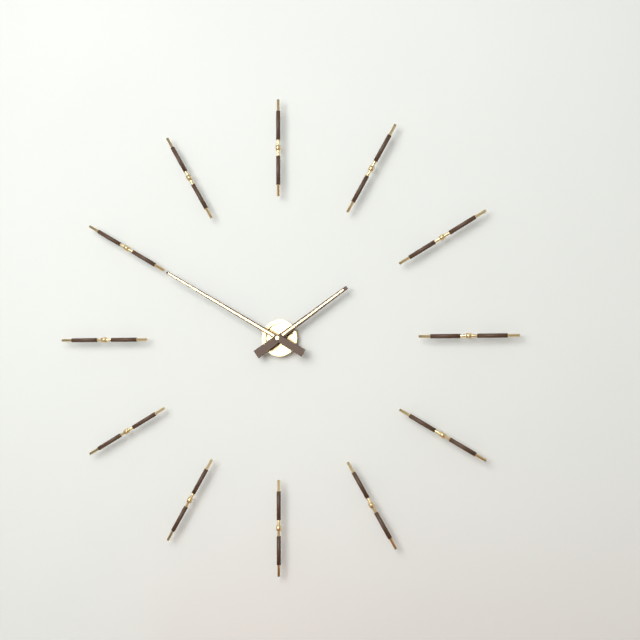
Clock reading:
1.50
